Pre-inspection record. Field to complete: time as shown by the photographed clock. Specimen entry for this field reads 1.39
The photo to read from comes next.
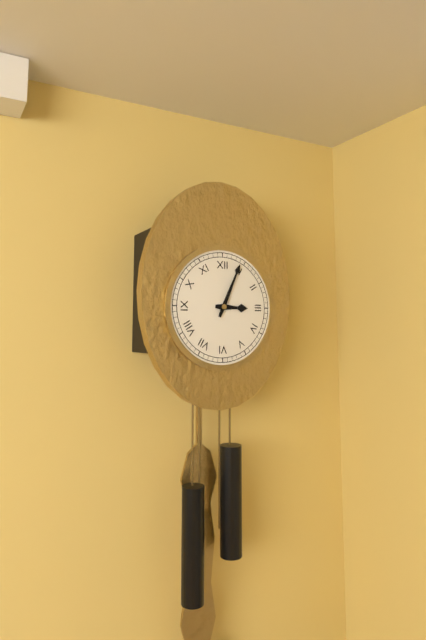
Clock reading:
3.04
